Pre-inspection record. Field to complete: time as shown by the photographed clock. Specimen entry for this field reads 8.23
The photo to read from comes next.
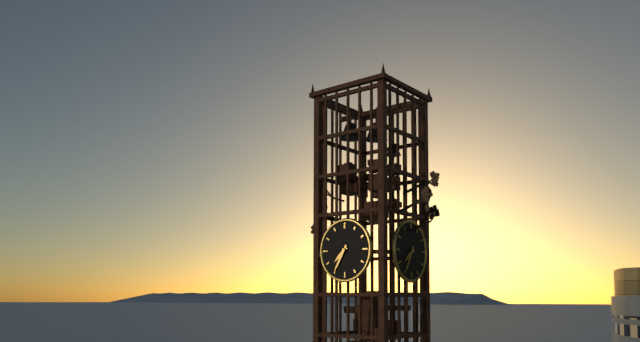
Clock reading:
7.35
